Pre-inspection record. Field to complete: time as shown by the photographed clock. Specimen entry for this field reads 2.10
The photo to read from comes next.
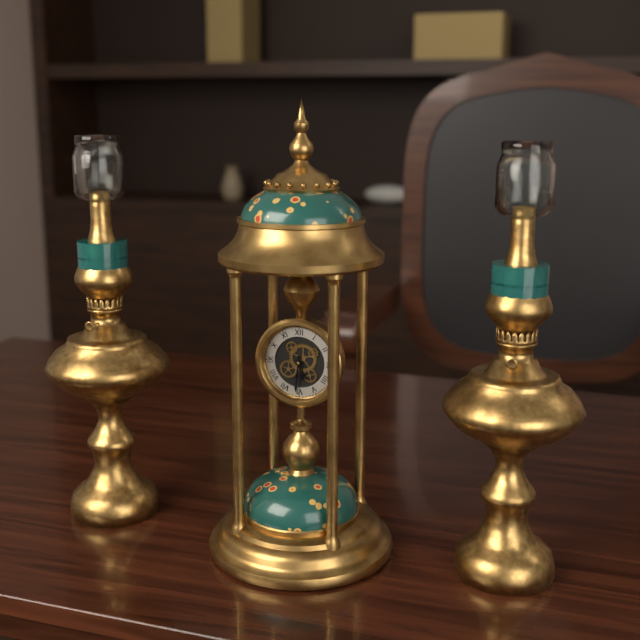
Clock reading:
5.31
